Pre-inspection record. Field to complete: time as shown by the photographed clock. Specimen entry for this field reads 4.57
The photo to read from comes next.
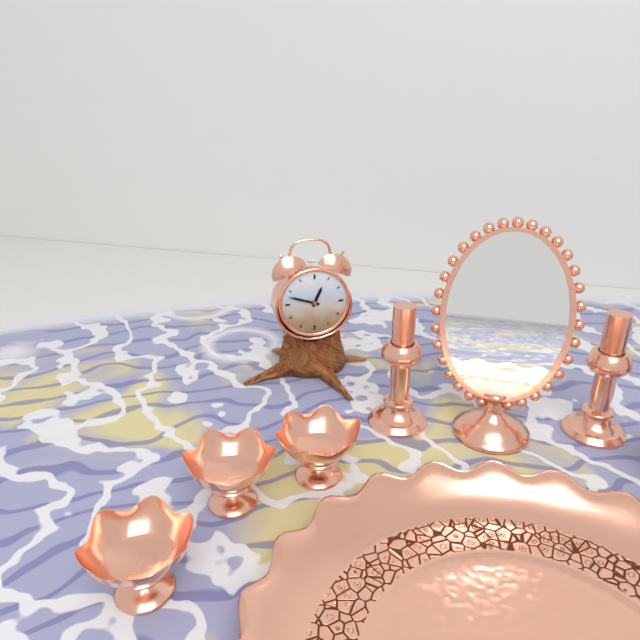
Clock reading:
12.48
